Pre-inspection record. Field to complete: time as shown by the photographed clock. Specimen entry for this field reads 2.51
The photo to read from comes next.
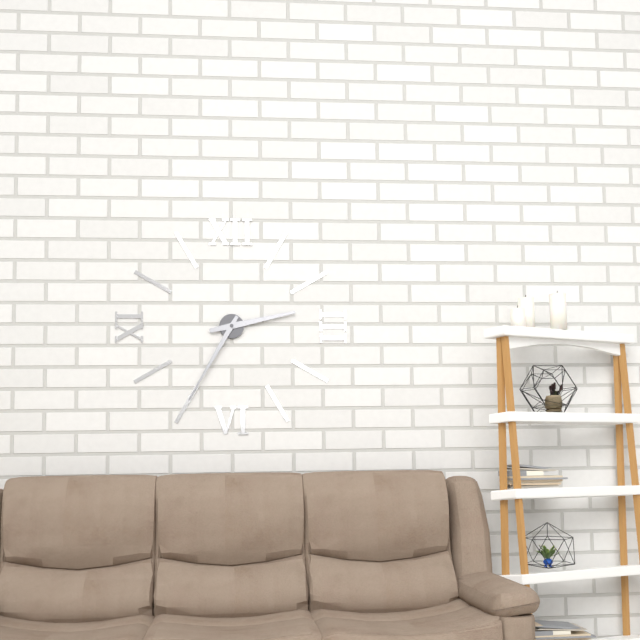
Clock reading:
2.35
